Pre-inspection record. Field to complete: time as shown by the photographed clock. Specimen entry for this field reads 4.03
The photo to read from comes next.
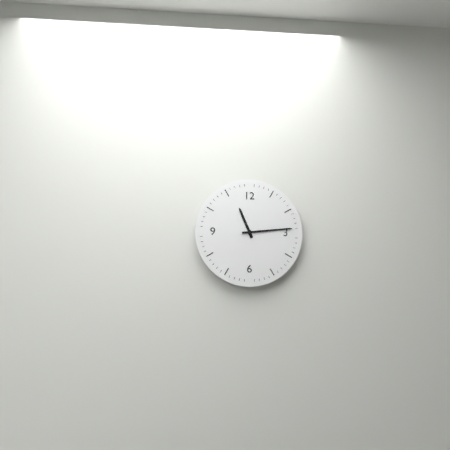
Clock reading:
11.14
